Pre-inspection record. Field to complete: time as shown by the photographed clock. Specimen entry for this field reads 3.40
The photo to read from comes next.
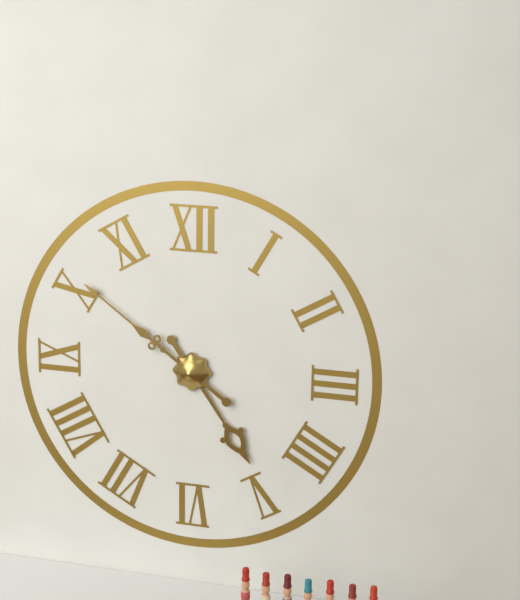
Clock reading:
4.51
